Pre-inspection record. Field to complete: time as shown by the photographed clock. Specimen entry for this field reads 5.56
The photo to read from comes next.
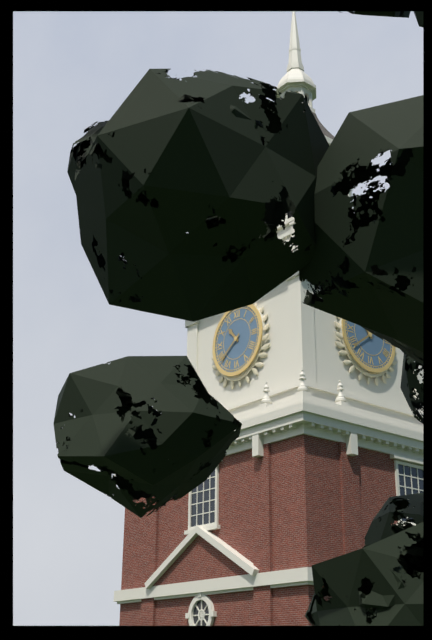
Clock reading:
10.39
